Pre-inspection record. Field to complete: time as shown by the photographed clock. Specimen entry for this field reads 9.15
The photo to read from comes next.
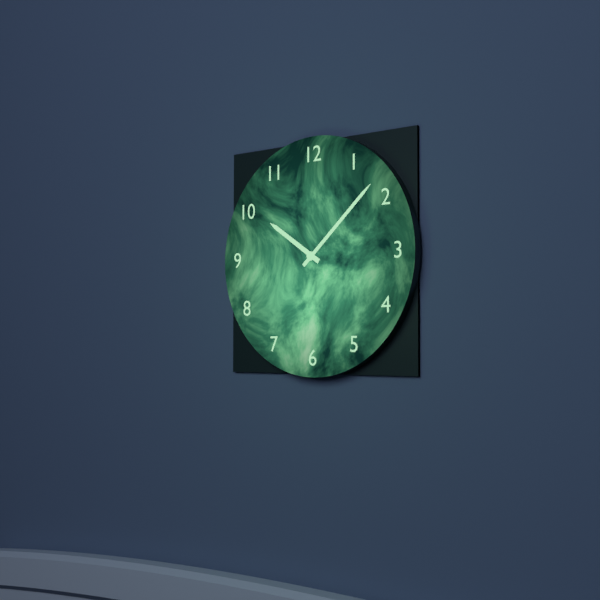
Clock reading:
10.08
